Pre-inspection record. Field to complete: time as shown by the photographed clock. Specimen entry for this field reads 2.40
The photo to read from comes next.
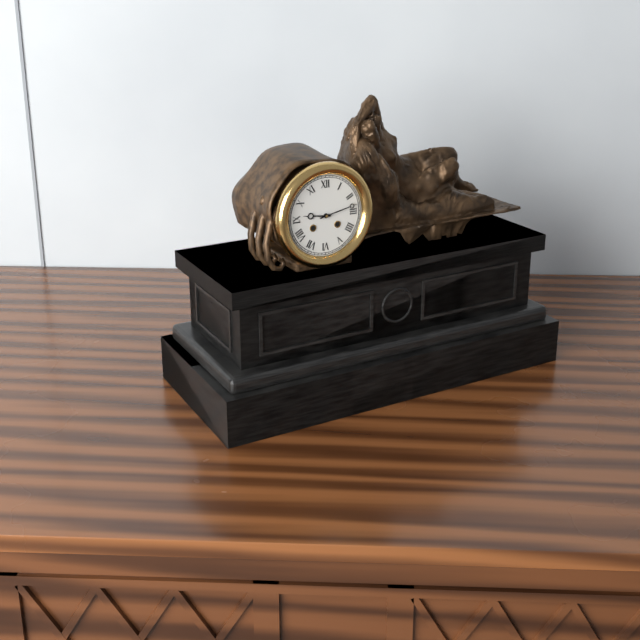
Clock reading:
9.13
